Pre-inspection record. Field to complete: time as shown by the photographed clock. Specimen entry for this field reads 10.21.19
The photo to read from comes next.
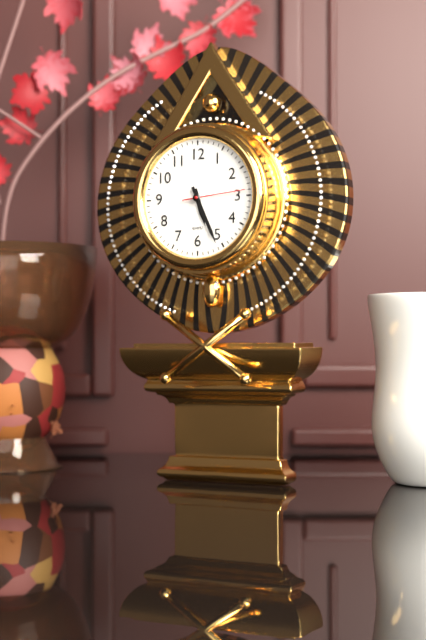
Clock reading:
5.26.14
